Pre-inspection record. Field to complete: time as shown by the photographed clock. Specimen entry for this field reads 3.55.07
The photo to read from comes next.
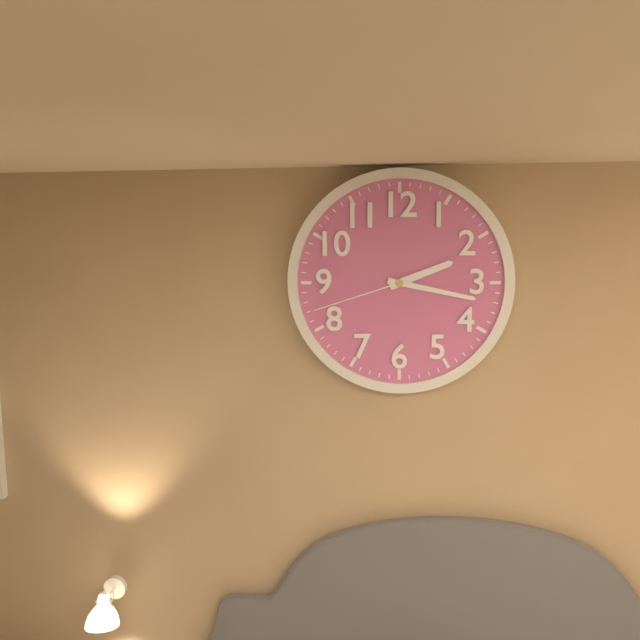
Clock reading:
2.17.42
